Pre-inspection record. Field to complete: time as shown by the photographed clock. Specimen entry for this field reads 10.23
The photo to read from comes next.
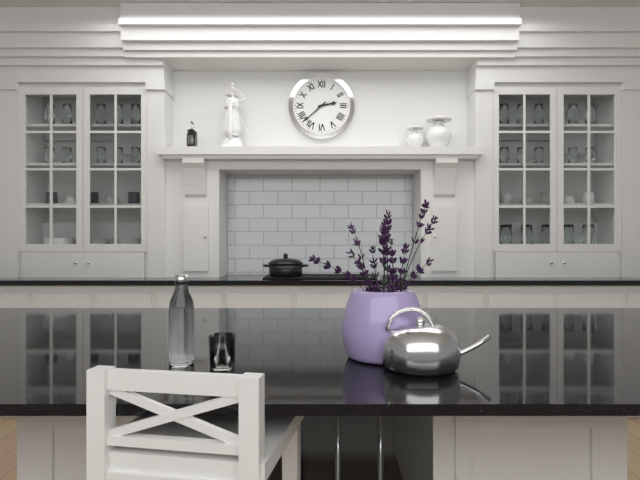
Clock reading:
2.38
